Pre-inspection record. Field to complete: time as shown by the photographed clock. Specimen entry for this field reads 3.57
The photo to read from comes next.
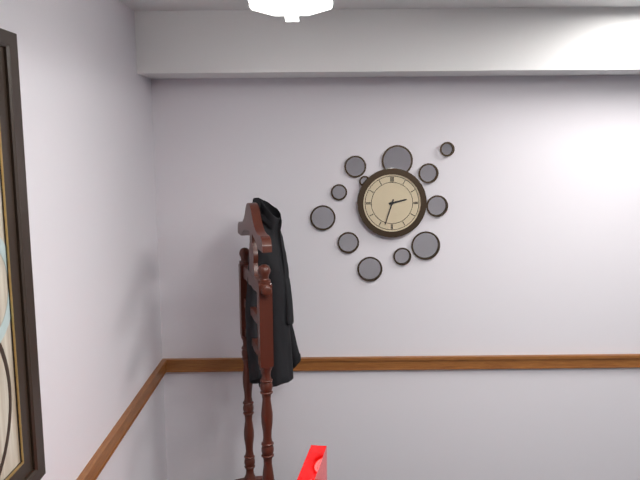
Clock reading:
2.33
